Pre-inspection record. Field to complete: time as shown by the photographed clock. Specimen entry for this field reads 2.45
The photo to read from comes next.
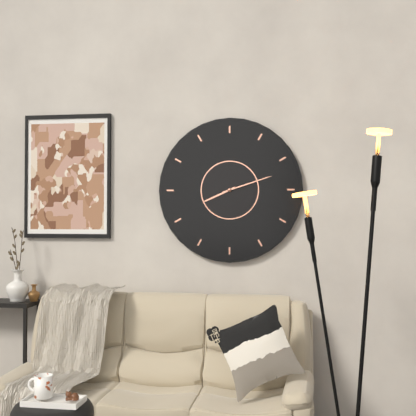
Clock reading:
8.12
